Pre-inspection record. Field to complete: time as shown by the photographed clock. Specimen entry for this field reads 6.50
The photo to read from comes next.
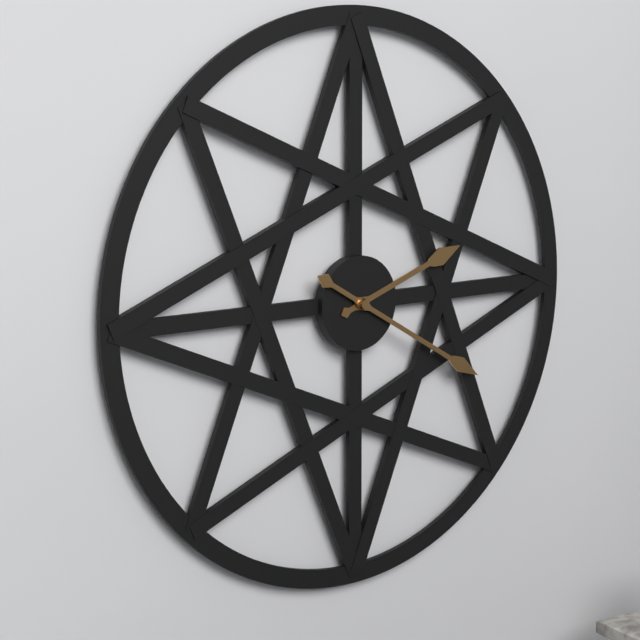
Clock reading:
2.20
